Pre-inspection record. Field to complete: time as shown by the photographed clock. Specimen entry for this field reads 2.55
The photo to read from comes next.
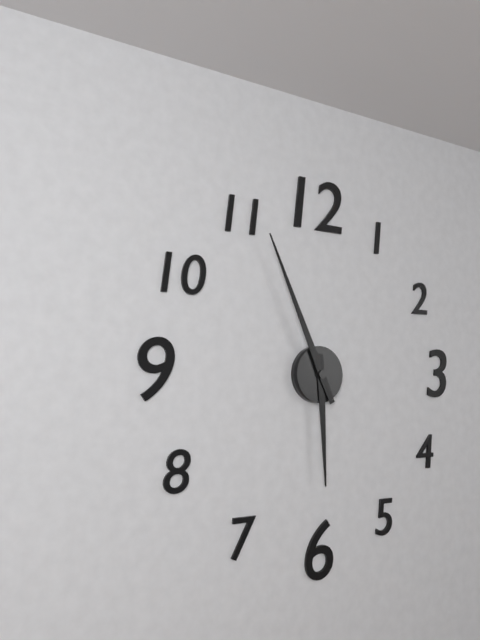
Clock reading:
5.56
